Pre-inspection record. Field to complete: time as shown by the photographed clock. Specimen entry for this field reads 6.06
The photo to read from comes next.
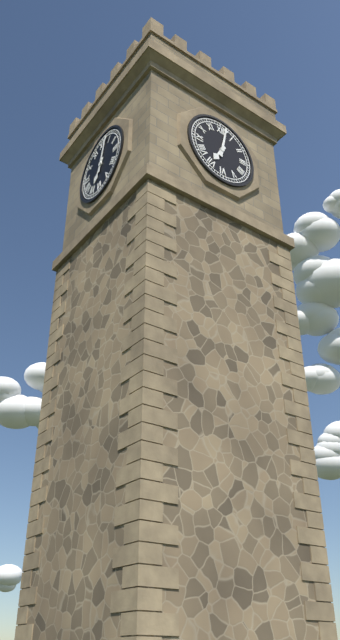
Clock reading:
7.02
